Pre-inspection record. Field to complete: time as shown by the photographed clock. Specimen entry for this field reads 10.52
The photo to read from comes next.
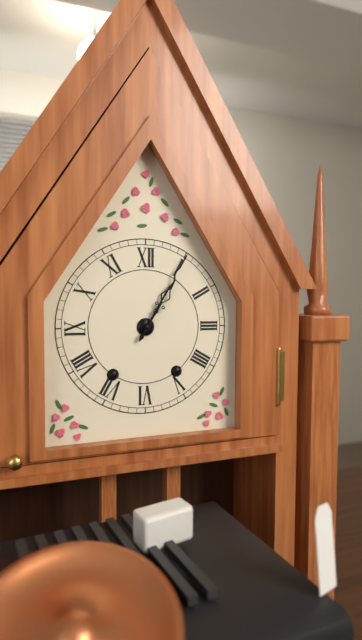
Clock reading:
1.05
